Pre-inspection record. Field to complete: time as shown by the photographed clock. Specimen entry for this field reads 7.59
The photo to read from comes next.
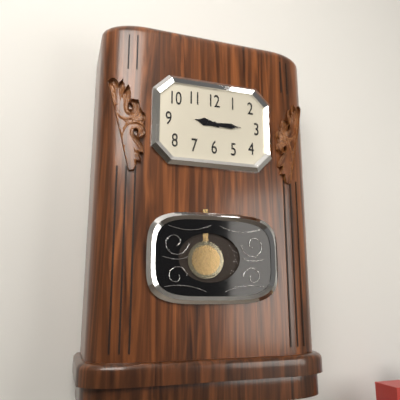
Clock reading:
9.15
